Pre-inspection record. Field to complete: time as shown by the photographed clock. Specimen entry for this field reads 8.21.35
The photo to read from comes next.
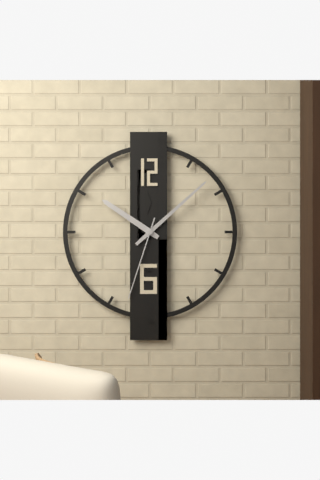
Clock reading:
10.08.33
